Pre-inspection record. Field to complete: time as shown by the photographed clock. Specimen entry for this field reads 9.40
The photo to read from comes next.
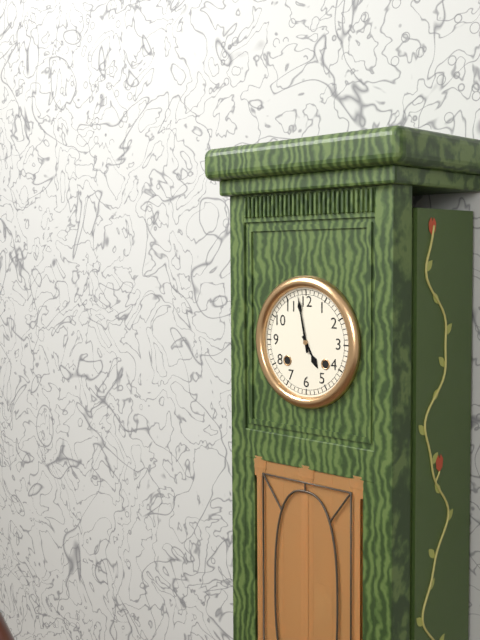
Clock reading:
4.58
